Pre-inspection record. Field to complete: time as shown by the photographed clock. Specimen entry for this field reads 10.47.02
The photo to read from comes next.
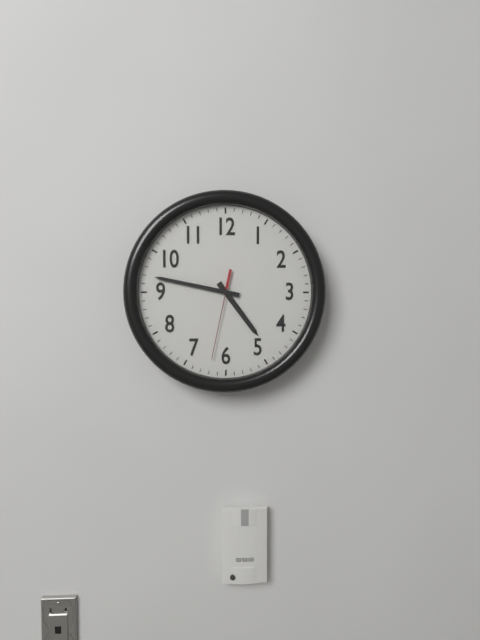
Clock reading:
4.47.32
